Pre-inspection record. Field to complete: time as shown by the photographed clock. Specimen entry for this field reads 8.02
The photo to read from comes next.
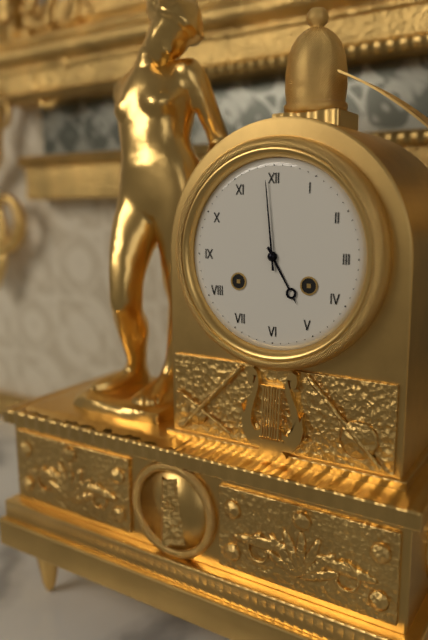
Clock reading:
4.59
